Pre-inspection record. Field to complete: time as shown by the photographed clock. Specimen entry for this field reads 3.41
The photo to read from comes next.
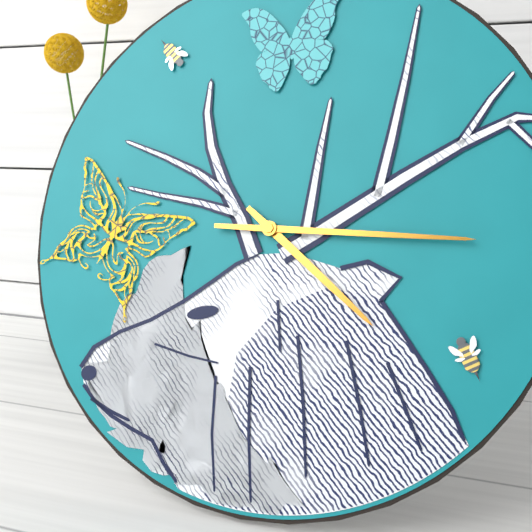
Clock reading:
4.15
